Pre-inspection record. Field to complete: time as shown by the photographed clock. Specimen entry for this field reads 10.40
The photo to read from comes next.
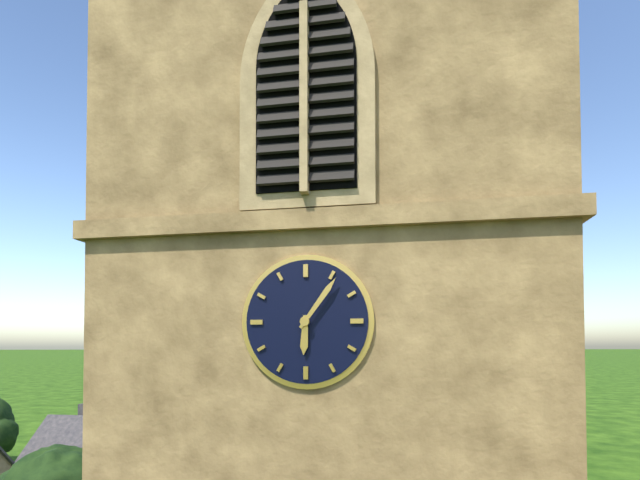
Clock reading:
6.06
